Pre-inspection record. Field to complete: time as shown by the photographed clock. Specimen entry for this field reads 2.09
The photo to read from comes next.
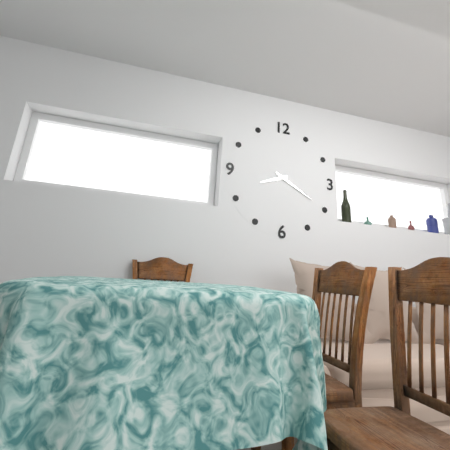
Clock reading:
8.20
